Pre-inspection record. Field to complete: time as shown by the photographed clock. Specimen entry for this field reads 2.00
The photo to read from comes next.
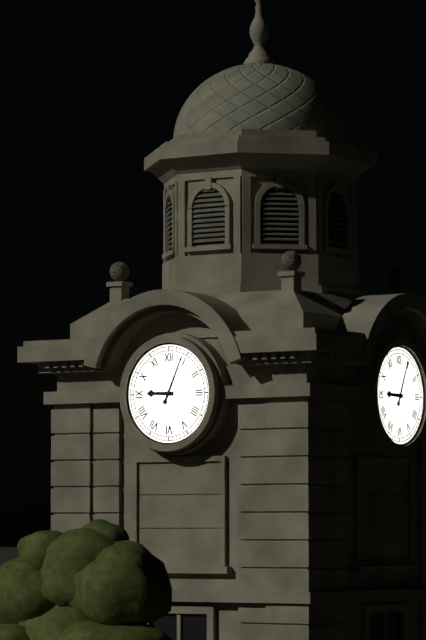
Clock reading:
9.04
